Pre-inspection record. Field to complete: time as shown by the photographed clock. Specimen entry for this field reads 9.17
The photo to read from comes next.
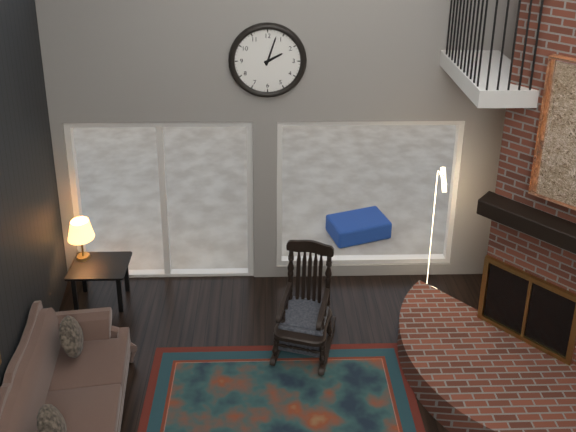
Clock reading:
2.03
